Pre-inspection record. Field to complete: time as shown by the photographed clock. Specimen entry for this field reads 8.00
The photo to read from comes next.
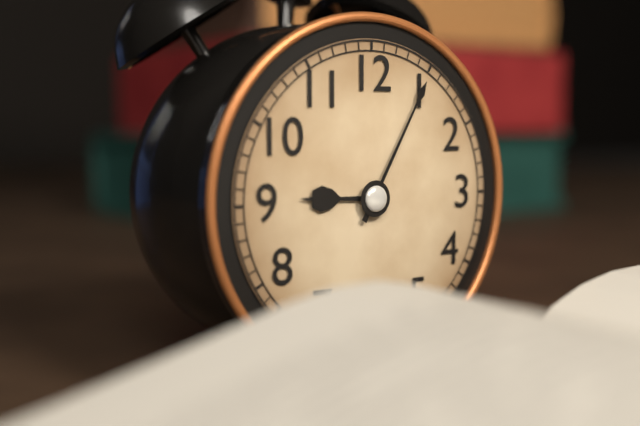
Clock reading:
9.05
